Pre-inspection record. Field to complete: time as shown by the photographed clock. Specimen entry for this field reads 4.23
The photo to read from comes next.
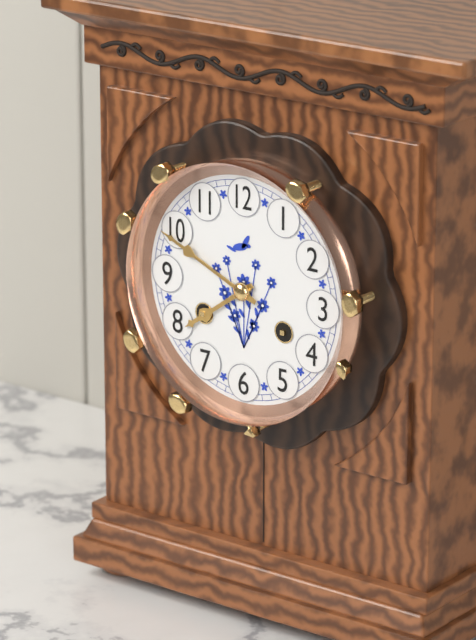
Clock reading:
7.49
